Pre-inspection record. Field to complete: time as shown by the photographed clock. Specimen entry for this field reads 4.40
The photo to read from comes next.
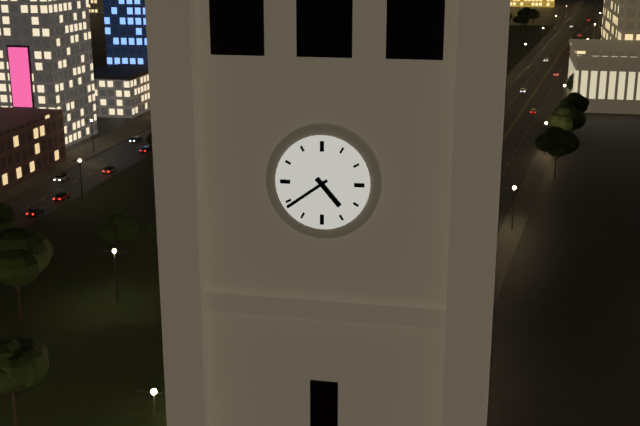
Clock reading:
4.39
